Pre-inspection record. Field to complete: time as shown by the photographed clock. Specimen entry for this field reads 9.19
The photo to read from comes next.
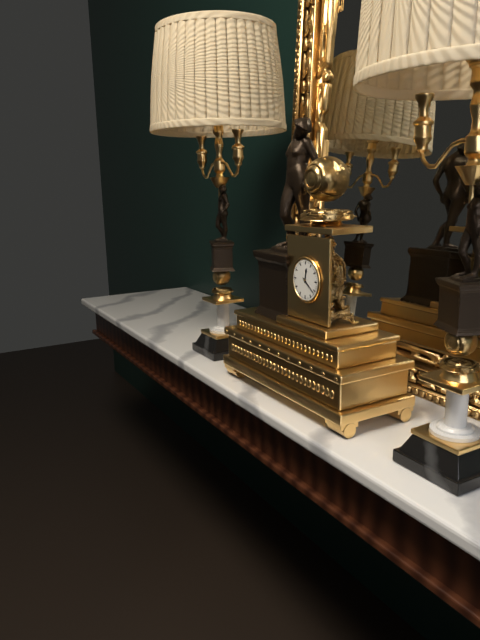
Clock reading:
12.21
